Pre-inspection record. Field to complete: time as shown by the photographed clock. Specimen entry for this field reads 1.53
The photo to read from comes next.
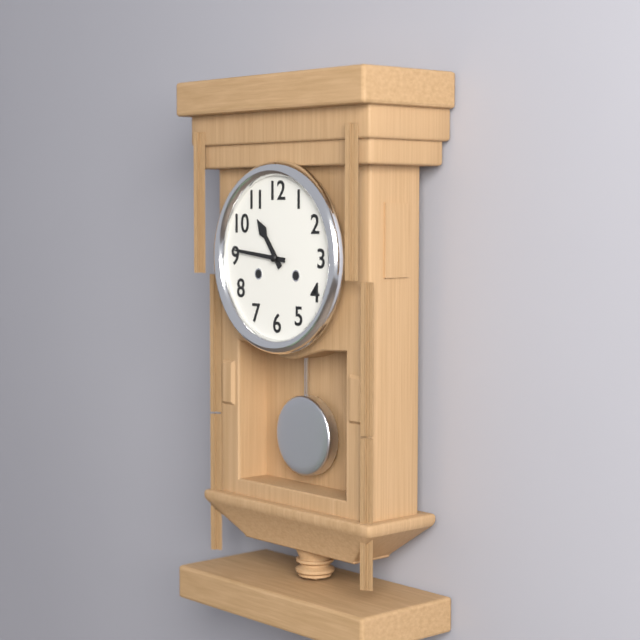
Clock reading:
10.46
